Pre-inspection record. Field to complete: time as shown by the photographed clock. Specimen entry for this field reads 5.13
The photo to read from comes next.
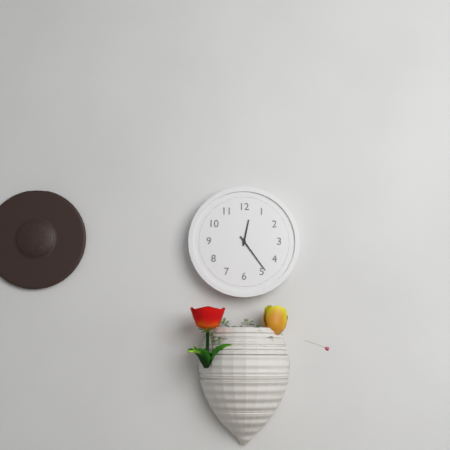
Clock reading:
12.24
